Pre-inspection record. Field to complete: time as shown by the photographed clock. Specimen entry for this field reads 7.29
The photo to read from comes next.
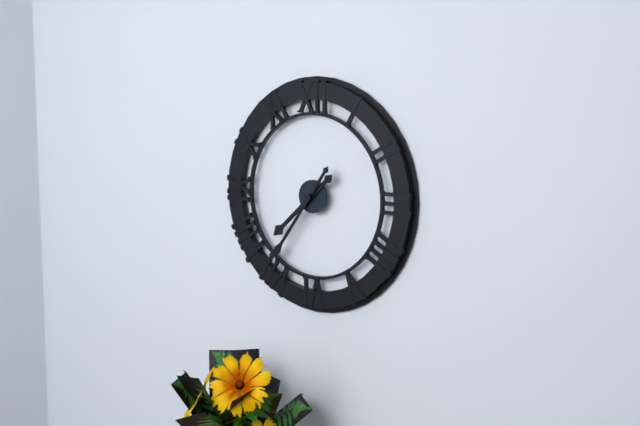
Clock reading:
7.36
